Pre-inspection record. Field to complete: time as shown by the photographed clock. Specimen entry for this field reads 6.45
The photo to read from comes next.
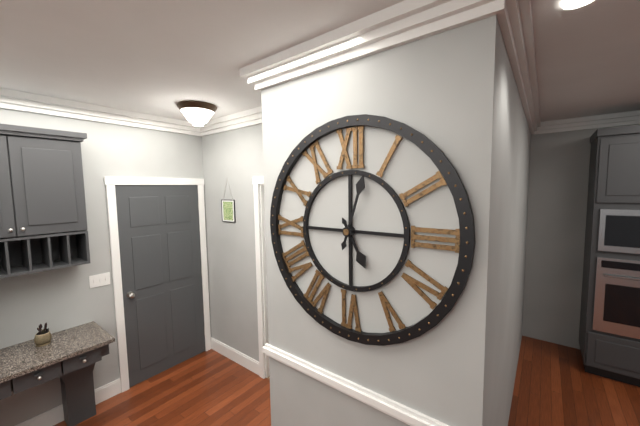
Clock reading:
5.03
